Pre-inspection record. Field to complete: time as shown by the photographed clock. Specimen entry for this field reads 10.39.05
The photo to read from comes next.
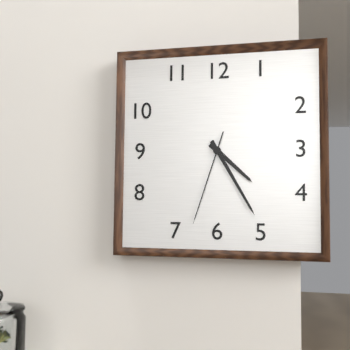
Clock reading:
4.25.33
